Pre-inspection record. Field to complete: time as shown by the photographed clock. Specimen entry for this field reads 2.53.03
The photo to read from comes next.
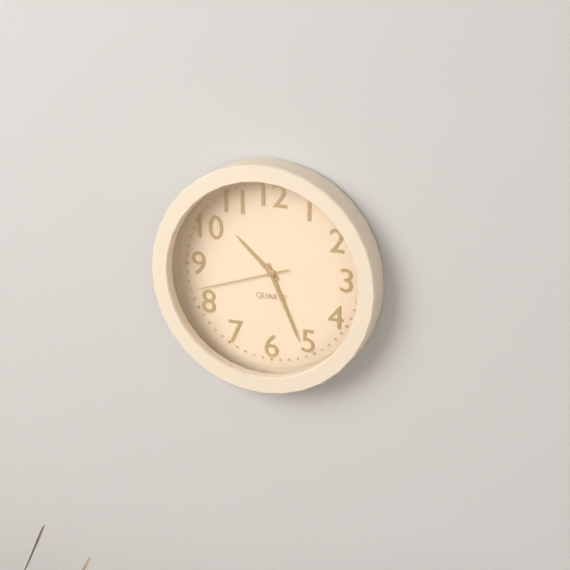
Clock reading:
10.26.42
